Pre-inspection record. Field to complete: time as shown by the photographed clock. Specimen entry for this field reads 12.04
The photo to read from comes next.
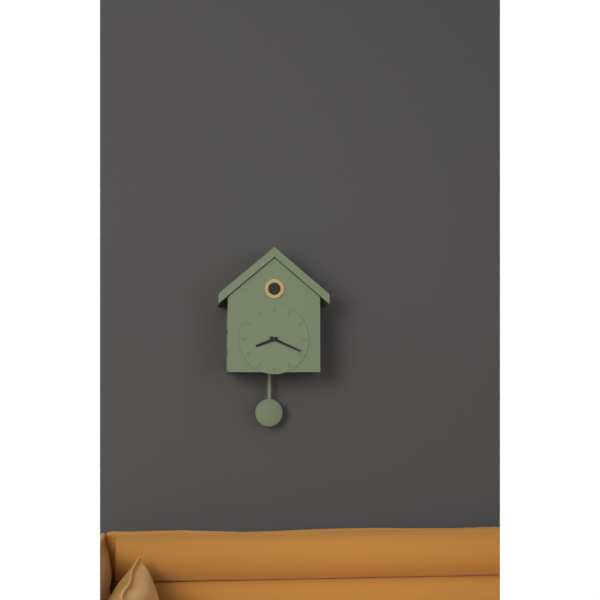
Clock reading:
8.19
